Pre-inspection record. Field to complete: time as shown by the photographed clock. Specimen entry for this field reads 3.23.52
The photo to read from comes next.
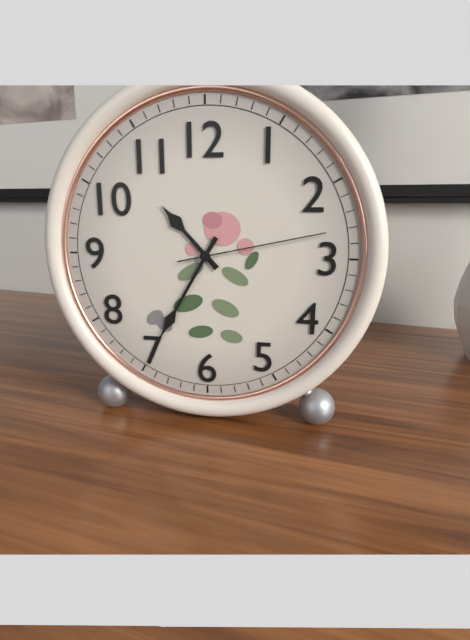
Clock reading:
10.35.13
